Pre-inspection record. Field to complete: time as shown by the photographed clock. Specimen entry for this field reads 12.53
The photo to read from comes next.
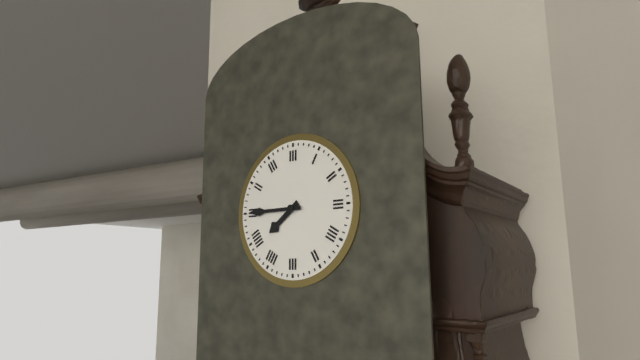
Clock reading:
7.45
